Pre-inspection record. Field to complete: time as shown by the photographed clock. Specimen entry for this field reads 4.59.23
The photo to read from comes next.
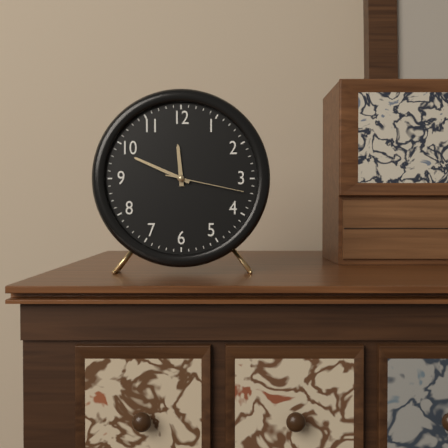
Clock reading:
11.49.17
